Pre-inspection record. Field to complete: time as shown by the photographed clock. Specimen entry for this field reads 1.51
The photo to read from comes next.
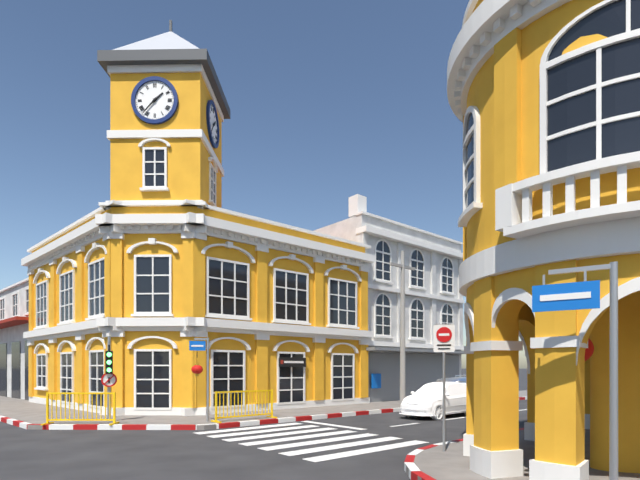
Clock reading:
1.37
